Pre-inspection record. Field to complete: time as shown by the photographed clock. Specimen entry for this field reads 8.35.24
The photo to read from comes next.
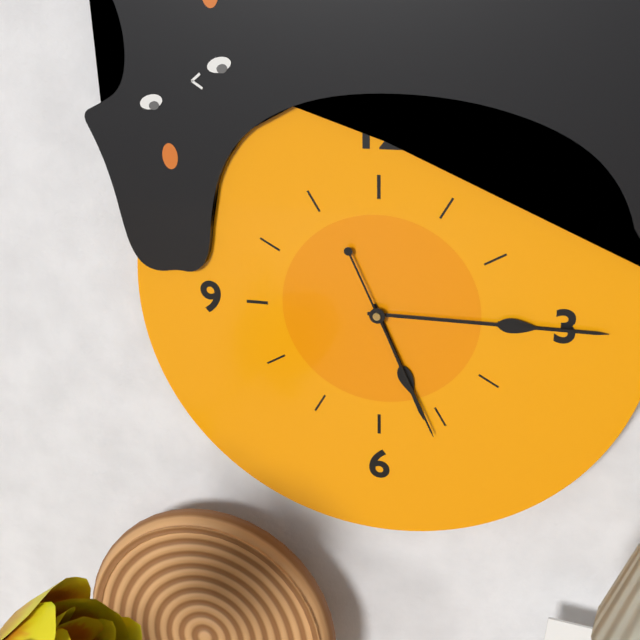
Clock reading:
5.15.26
